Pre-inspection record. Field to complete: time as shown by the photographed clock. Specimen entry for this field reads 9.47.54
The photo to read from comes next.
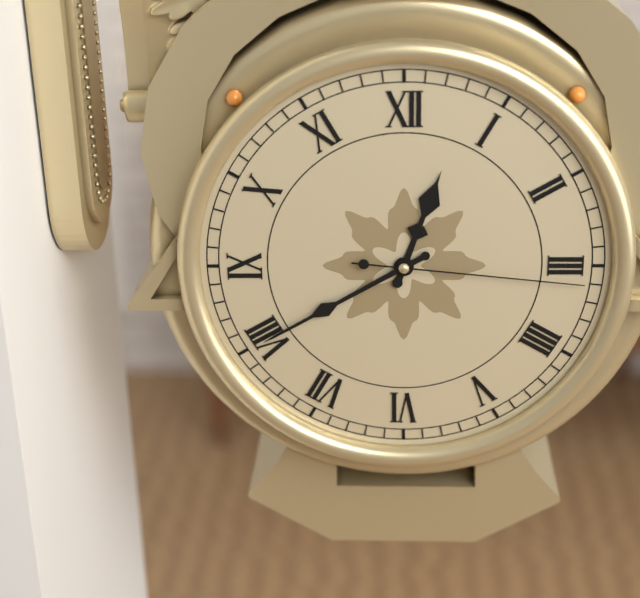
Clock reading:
12.40.16
